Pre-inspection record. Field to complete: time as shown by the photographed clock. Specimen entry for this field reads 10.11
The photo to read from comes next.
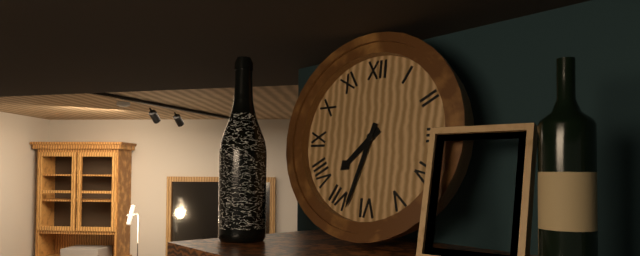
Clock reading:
7.33
